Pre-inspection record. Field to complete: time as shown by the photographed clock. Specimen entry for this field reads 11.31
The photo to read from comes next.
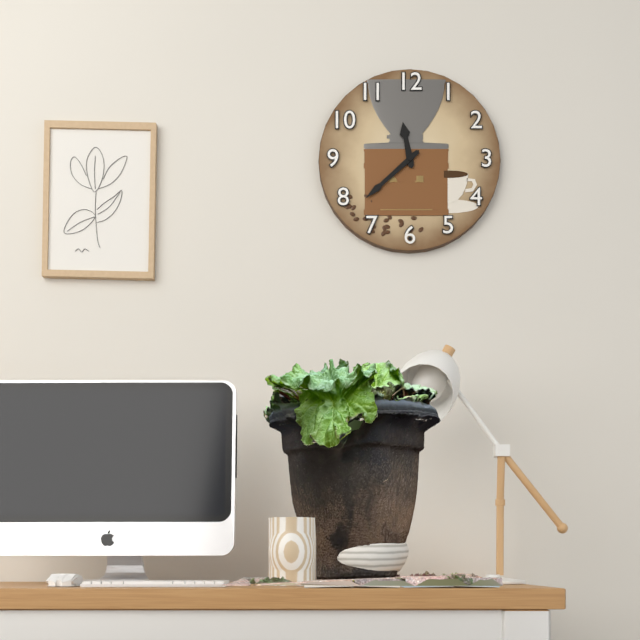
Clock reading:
11.38
